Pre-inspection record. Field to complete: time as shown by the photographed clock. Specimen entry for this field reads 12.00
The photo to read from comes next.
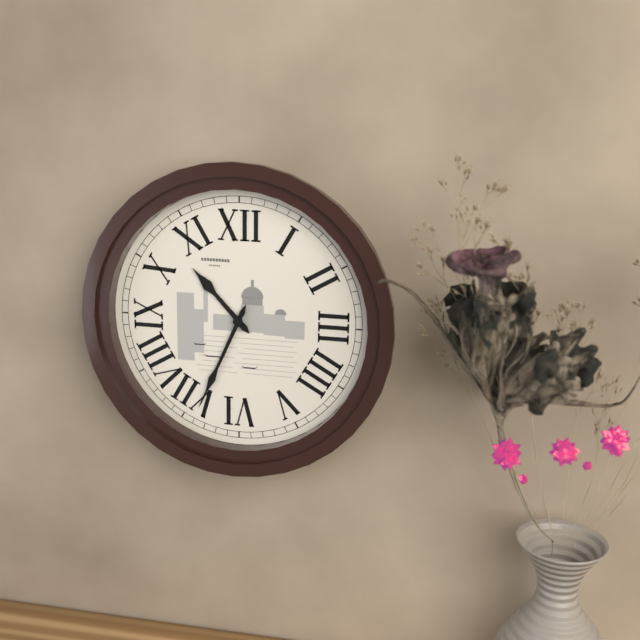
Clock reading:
10.34
